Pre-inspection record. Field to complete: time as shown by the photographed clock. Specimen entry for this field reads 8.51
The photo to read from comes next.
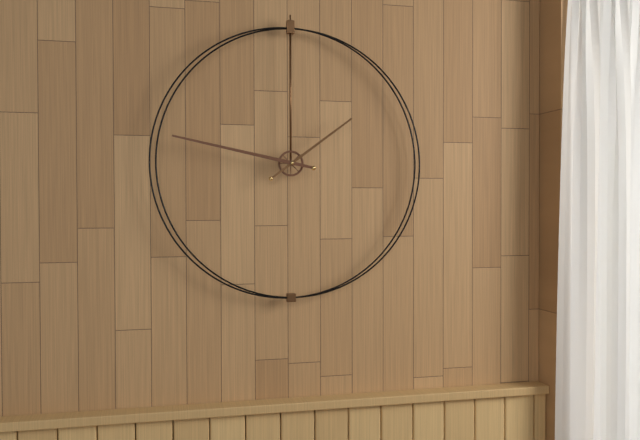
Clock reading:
1.47
